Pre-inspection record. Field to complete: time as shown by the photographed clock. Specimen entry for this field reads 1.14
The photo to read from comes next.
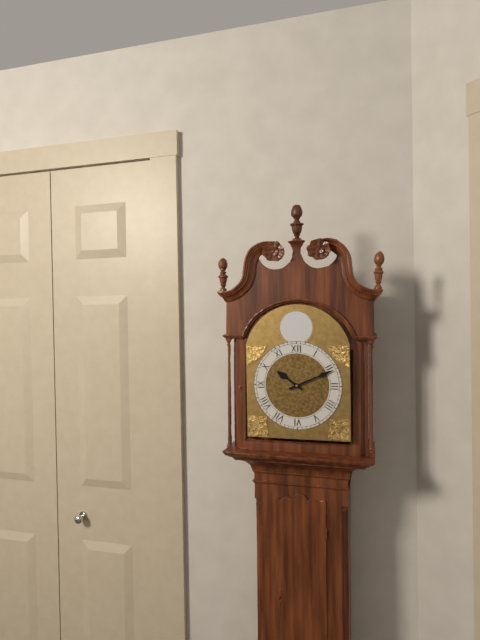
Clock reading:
10.11
